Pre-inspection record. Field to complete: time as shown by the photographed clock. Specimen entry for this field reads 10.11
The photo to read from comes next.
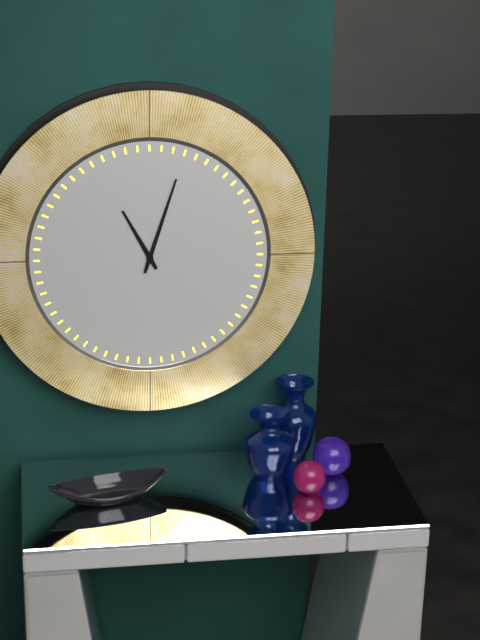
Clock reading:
11.03
